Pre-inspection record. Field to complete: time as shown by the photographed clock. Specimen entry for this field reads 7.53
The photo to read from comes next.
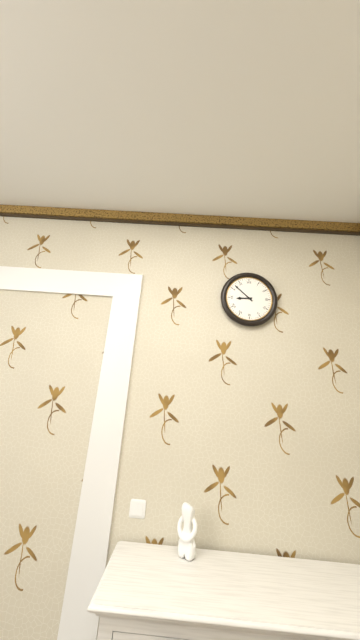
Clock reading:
8.52
